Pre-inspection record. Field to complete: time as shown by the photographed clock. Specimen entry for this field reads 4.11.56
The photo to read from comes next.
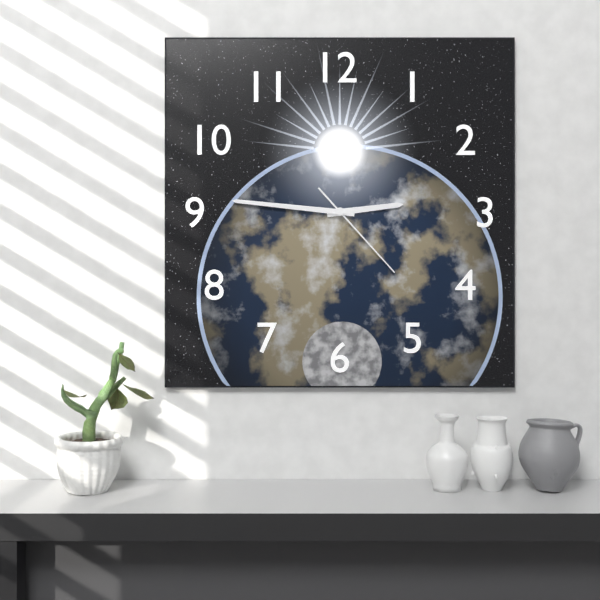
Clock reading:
2.46.23
